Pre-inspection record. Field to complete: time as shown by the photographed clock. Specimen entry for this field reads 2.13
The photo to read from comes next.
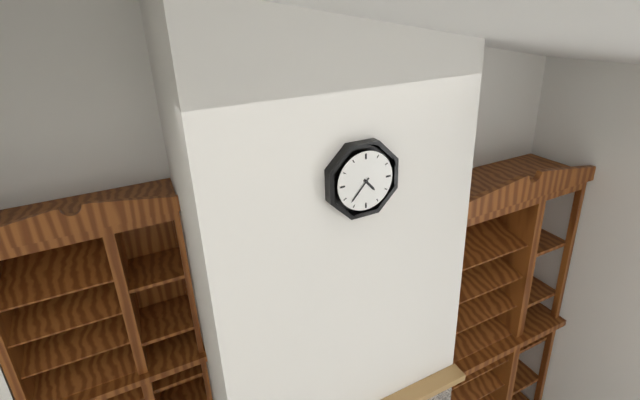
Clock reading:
4.37
